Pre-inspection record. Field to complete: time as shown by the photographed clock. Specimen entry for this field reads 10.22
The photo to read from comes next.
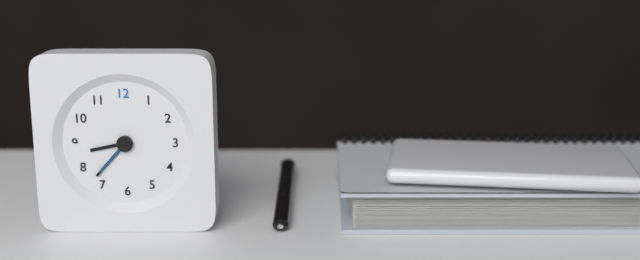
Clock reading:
8.37
